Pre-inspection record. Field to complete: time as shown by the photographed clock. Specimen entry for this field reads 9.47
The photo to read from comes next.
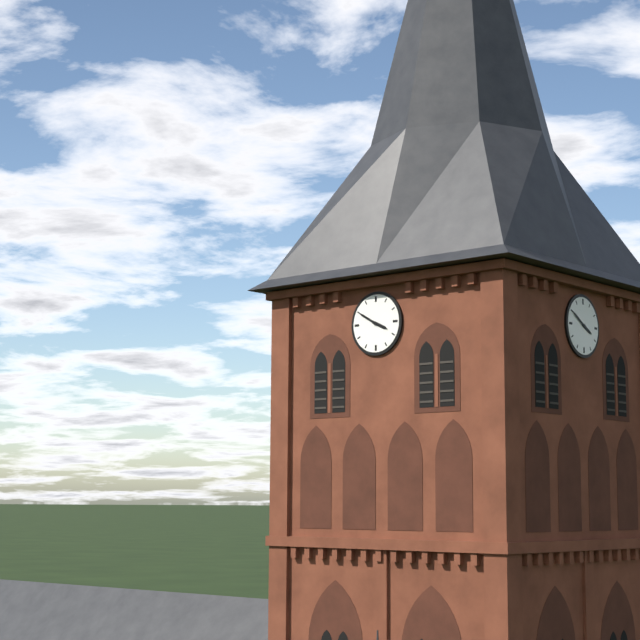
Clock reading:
3.50
